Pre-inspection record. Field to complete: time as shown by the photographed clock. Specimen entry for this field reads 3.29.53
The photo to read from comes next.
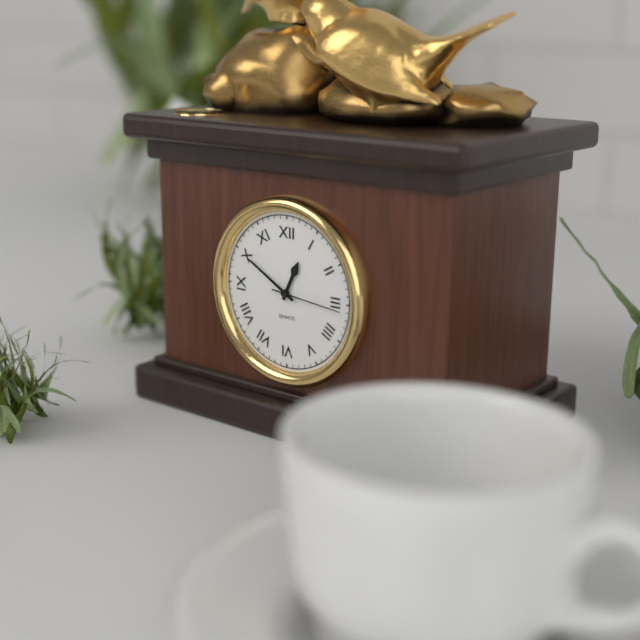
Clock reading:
12.50.16
